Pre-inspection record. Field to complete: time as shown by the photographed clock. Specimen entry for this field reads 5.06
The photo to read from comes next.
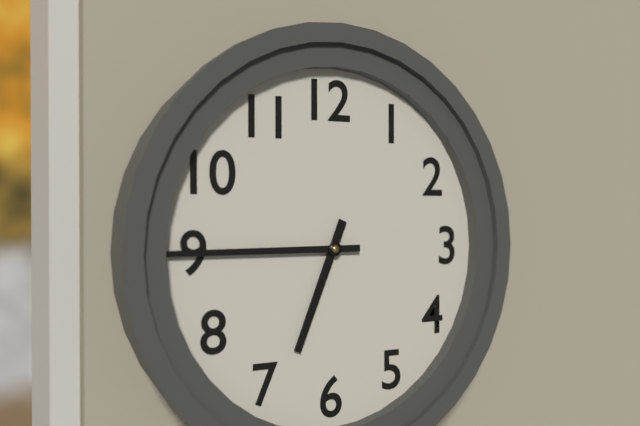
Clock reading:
6.45
